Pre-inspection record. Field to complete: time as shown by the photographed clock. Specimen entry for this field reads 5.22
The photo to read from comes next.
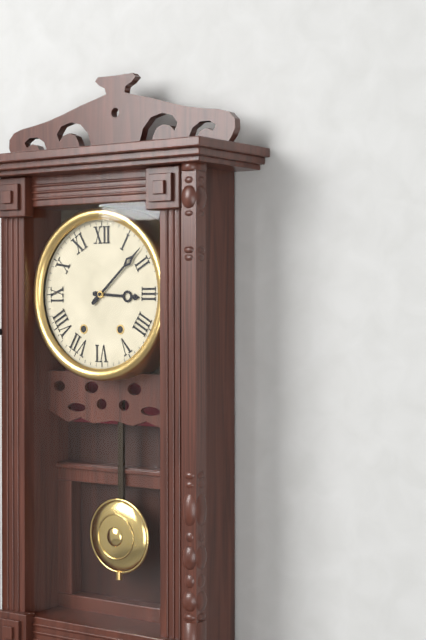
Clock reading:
3.08
